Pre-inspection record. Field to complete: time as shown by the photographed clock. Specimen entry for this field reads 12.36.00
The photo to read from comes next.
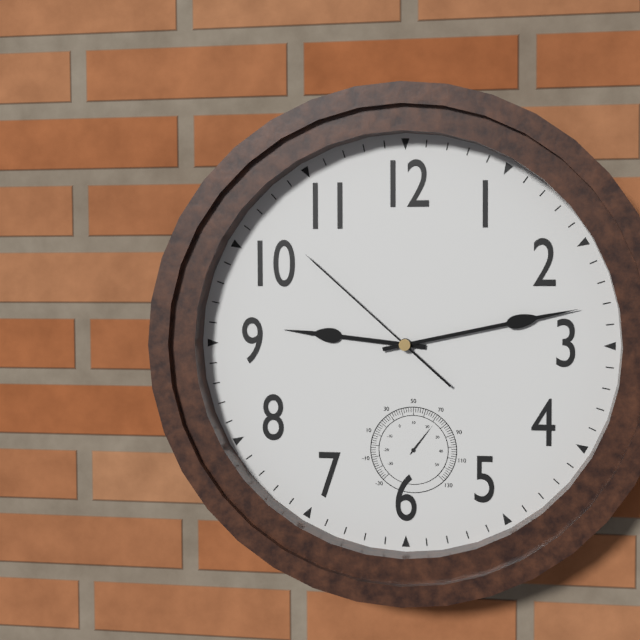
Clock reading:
9.13.52
